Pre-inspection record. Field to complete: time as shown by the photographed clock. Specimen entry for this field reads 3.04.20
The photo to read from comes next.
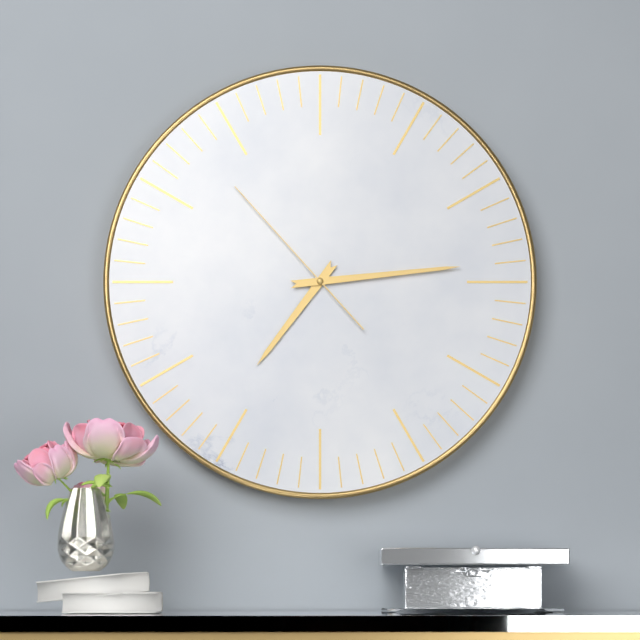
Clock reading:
7.14.53
